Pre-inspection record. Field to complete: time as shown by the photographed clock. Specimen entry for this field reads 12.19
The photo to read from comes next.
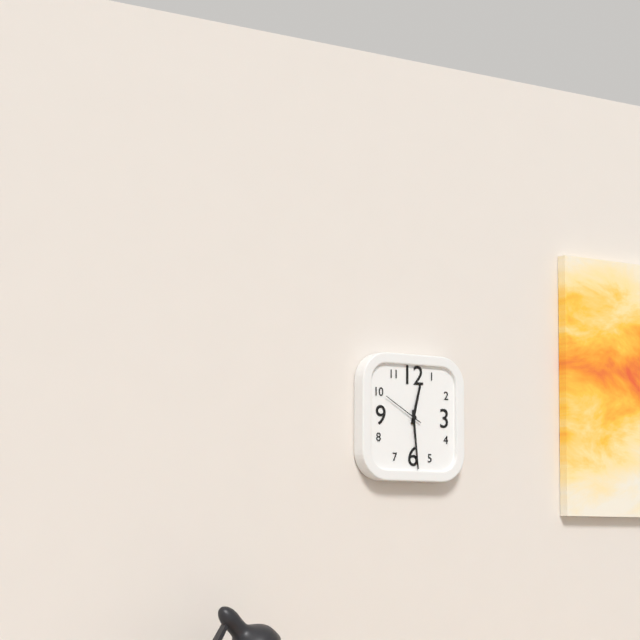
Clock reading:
12.29
